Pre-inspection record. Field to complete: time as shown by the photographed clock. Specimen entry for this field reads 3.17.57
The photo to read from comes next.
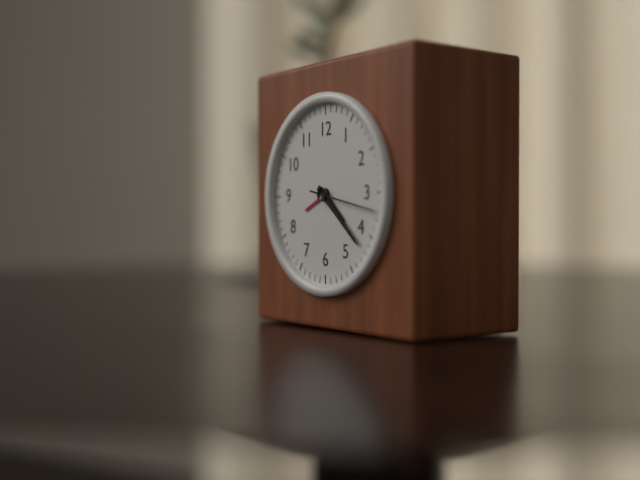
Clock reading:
4.22.17
